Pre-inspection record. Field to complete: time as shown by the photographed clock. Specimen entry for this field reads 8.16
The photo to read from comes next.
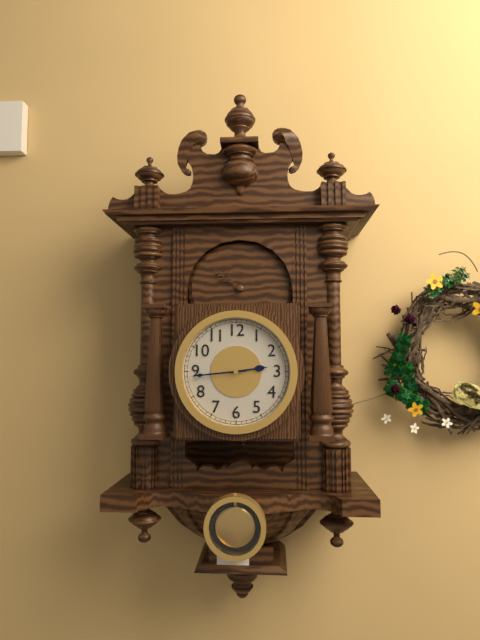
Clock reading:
2.44
